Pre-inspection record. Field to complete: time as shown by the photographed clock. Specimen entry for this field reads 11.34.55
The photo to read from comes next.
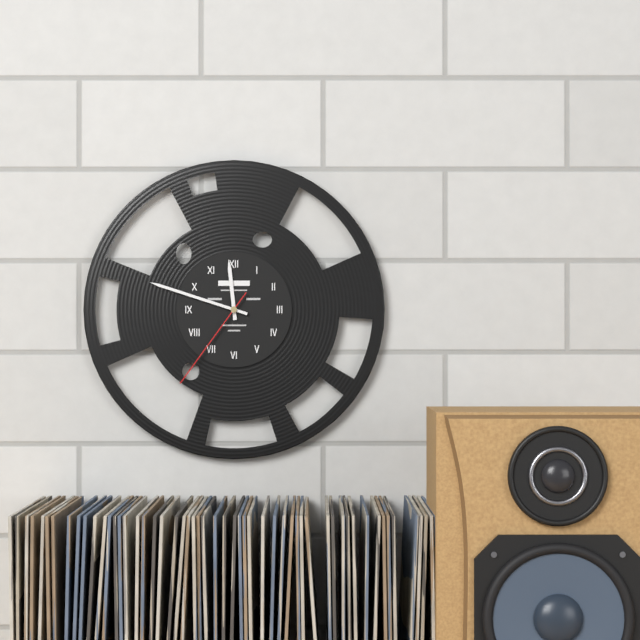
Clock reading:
11.48.36
